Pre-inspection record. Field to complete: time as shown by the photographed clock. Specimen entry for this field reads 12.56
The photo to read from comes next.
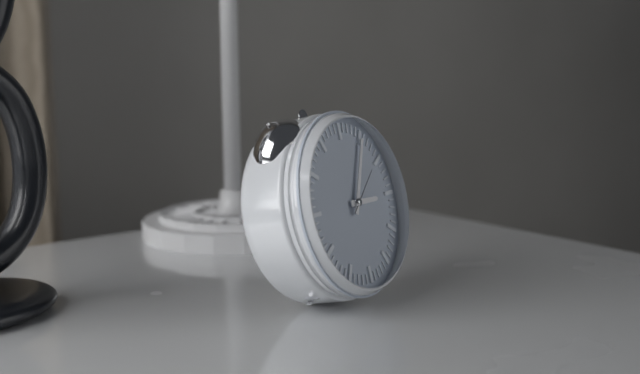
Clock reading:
3.05
